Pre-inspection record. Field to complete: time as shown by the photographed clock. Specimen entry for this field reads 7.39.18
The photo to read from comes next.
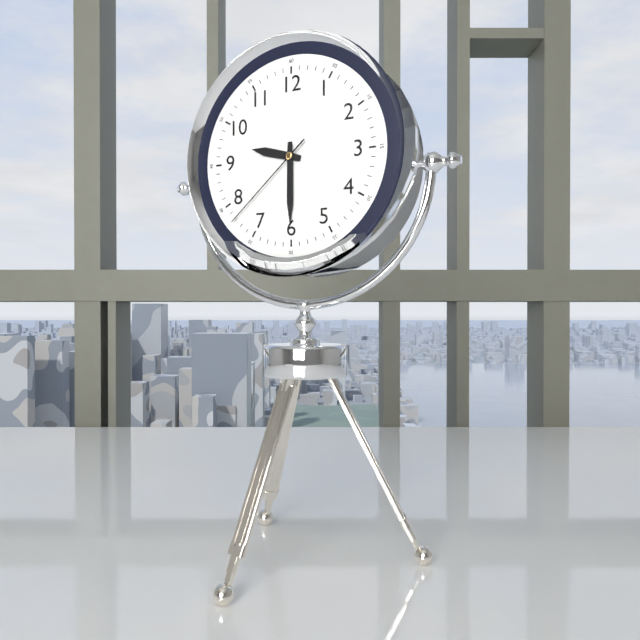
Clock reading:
9.30.38
